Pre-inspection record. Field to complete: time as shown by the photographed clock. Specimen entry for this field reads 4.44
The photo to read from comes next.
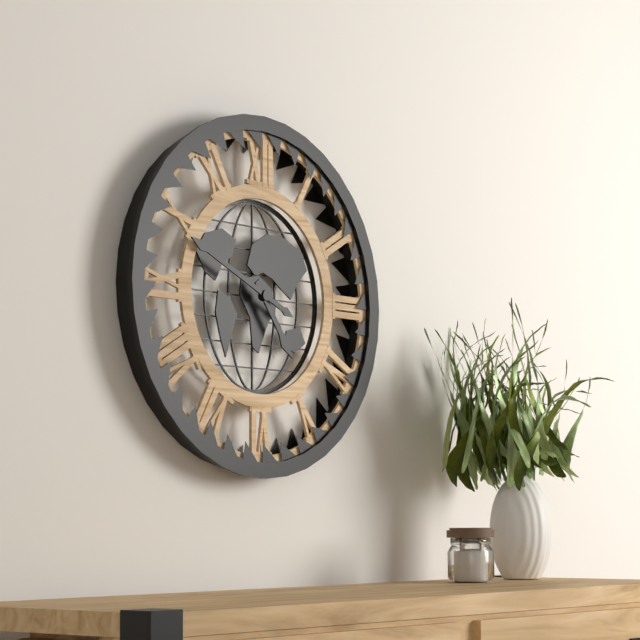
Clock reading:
4.49
